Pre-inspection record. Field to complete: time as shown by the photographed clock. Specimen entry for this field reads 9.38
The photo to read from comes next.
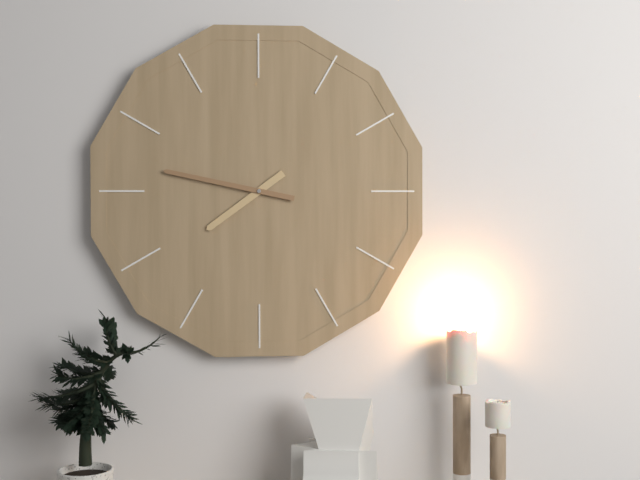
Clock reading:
7.47
